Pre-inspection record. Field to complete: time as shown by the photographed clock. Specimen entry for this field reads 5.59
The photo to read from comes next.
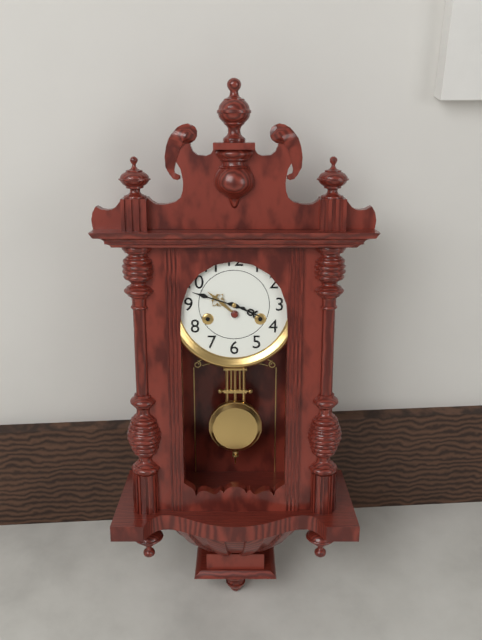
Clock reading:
3.48
